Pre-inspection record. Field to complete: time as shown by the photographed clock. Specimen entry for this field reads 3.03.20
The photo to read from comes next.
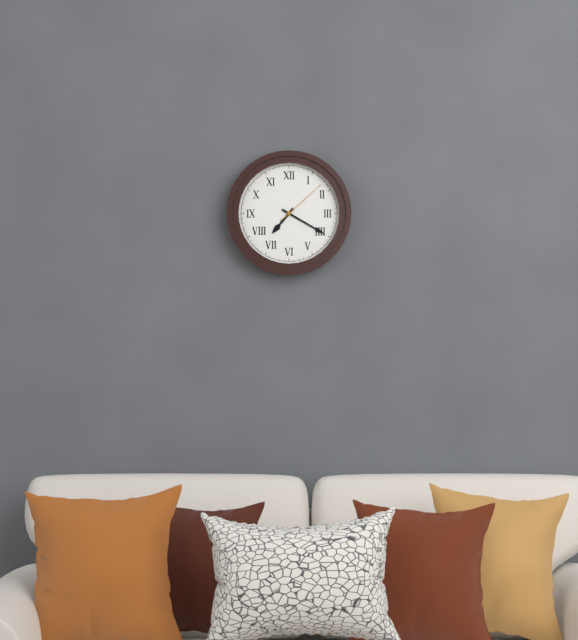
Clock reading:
7.20.08
